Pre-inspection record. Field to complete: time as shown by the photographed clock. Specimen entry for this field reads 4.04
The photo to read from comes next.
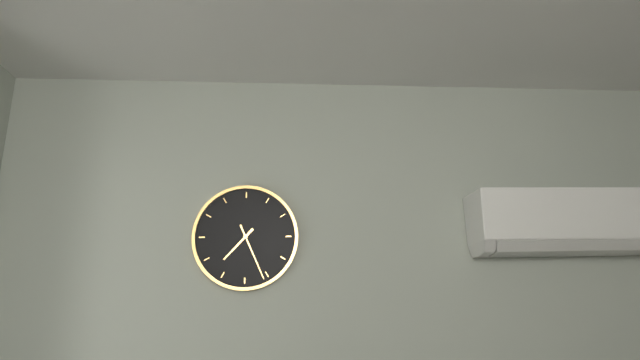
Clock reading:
7.26
